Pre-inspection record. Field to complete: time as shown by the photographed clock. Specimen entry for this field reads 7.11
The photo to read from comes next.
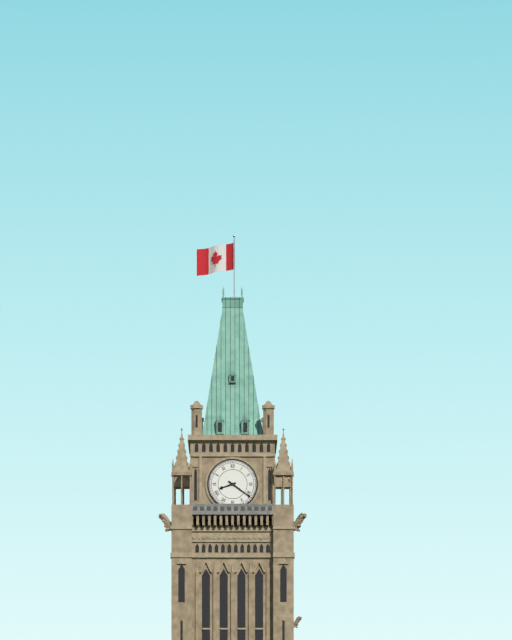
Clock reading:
8.21
